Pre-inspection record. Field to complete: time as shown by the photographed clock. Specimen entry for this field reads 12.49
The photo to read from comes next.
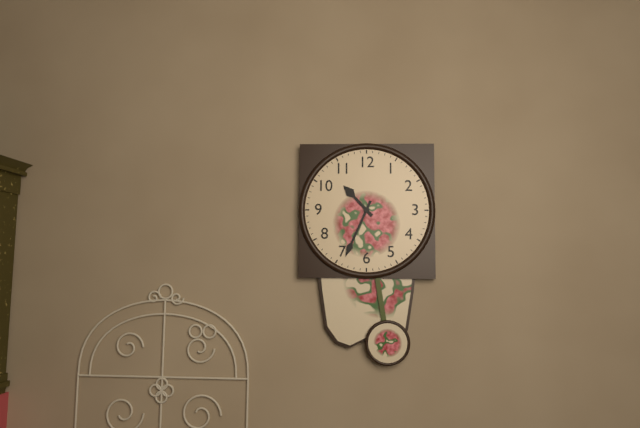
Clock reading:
10.34
